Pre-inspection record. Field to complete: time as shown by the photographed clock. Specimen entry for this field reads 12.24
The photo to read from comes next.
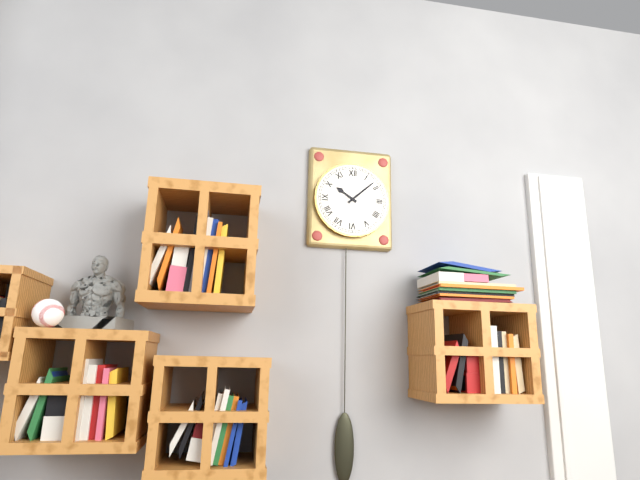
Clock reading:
10.08
